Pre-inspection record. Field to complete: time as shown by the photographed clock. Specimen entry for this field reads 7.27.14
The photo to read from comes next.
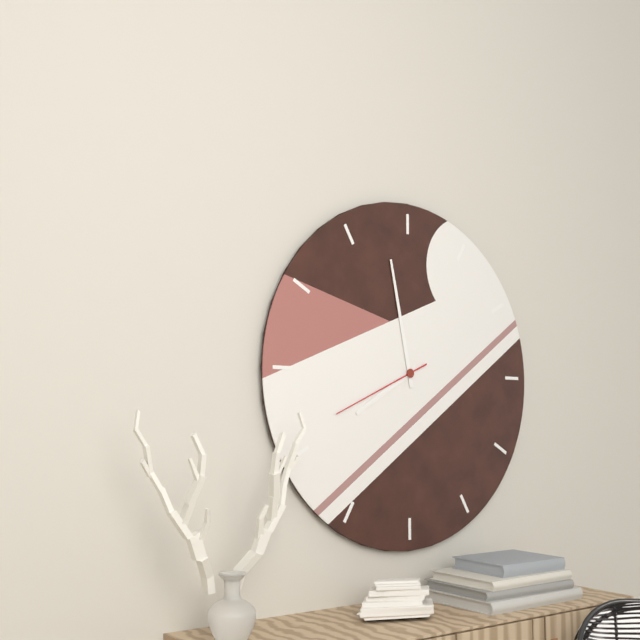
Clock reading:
7.58.41
